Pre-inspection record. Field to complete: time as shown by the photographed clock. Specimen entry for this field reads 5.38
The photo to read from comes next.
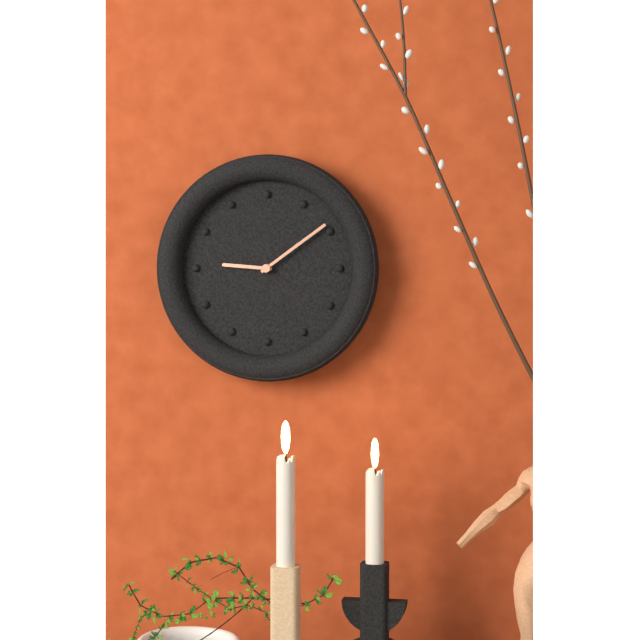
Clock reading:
9.09
